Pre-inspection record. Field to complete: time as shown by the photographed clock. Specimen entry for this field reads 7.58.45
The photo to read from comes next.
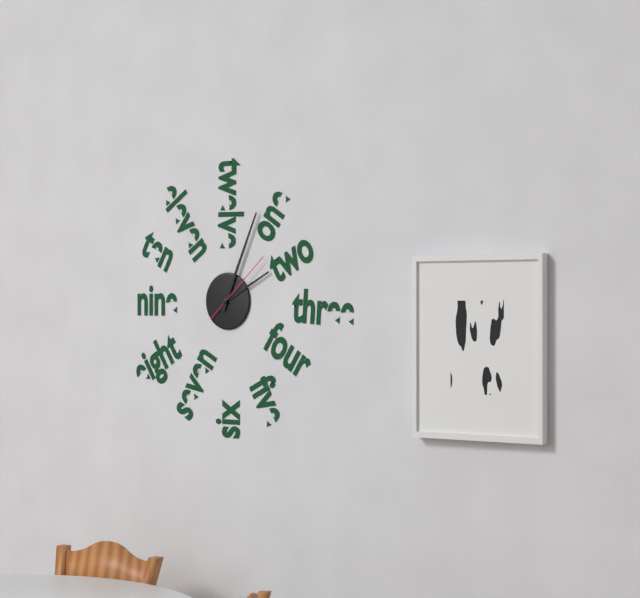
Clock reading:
2.04.08
